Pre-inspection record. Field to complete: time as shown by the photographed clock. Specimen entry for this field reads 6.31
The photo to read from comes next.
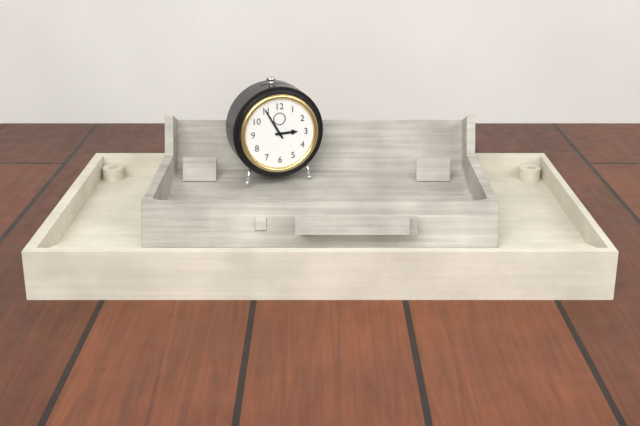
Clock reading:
2.55
